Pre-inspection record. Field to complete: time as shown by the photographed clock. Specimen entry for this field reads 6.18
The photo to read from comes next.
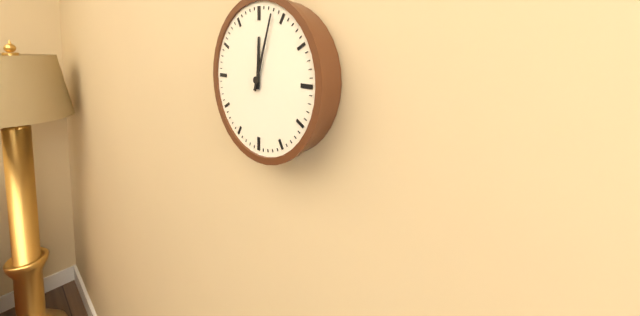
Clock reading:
12.03
